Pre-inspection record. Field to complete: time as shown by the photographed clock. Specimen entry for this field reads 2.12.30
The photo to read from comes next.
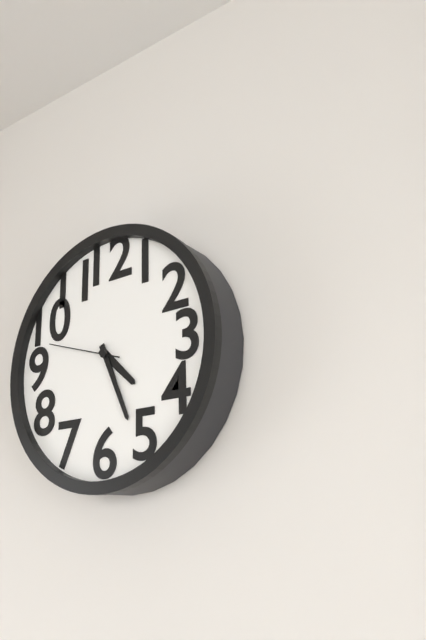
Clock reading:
4.26.48
